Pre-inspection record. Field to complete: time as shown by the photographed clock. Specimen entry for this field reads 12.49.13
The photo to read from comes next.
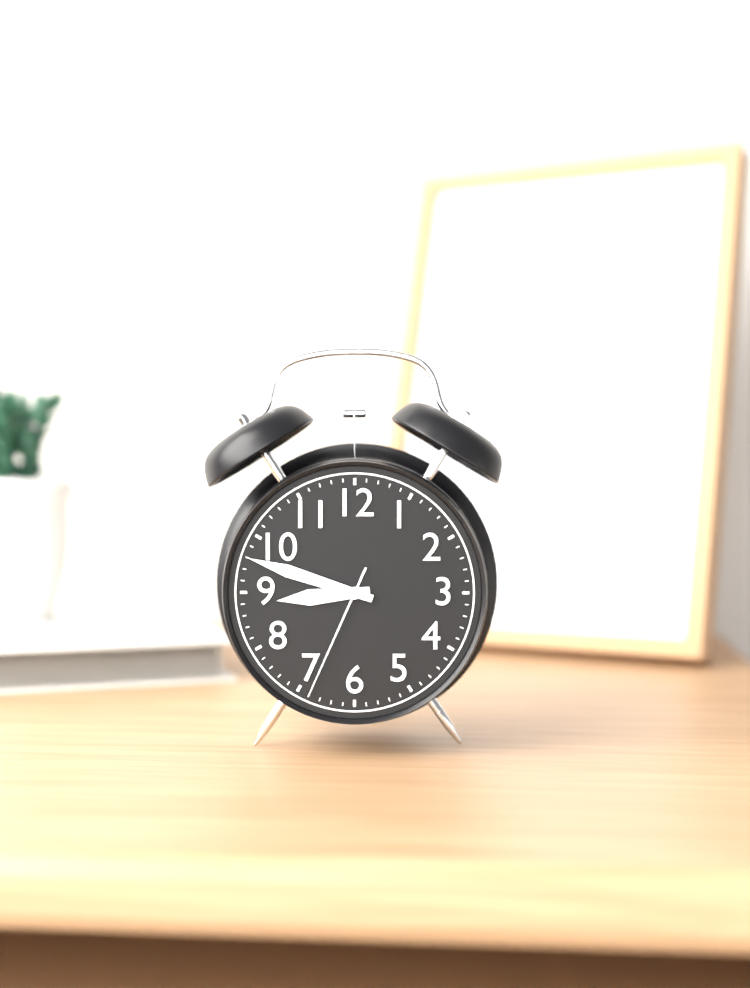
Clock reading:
8.48.34
